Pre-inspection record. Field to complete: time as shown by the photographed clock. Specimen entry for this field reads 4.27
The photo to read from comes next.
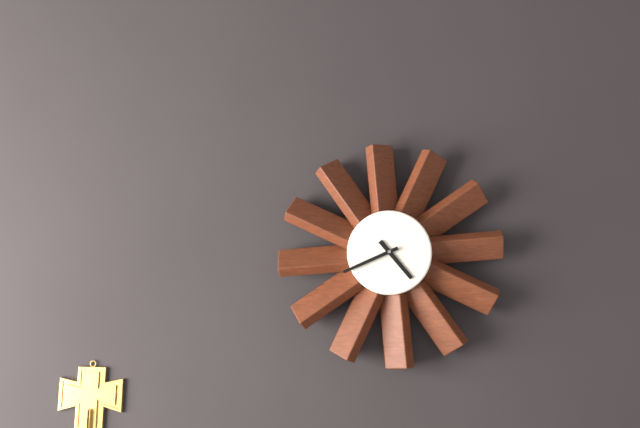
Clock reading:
4.41
